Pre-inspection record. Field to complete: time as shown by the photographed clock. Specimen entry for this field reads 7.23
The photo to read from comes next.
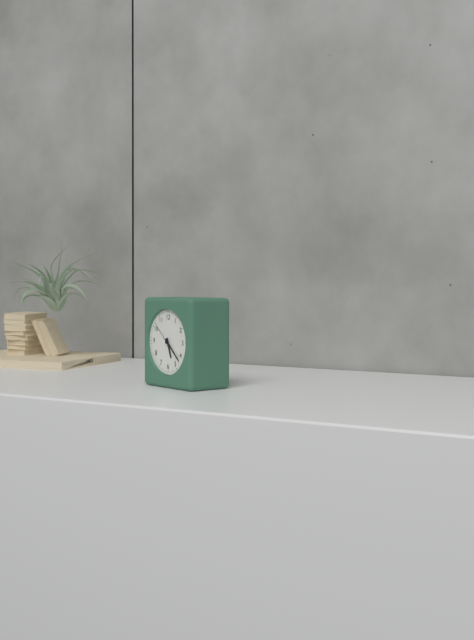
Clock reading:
5.22
